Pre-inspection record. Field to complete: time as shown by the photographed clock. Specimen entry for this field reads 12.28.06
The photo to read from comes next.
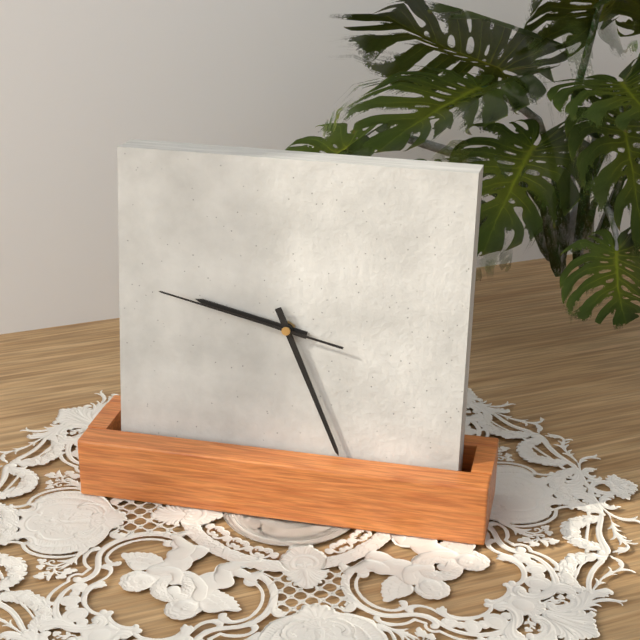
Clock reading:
9.26.47
